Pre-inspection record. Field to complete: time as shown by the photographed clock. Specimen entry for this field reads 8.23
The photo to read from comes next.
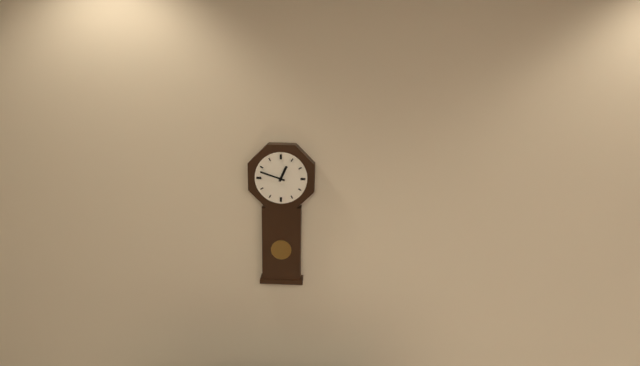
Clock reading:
12.48
